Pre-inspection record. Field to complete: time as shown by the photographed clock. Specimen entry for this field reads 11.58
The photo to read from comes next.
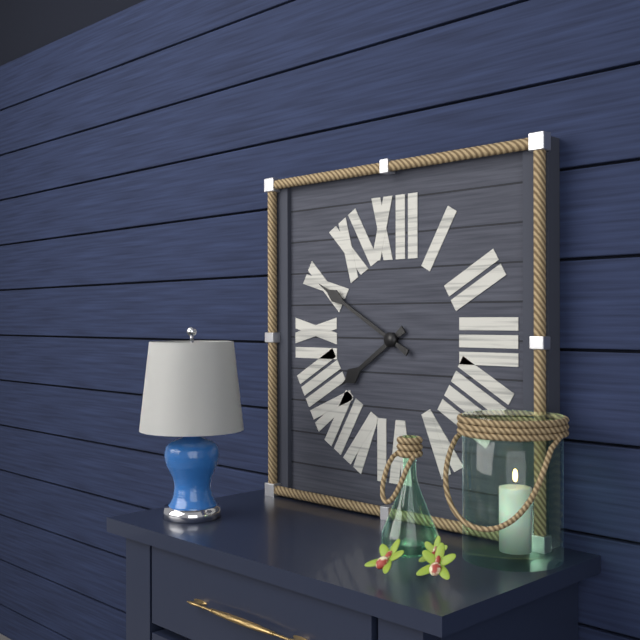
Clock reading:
7.50
